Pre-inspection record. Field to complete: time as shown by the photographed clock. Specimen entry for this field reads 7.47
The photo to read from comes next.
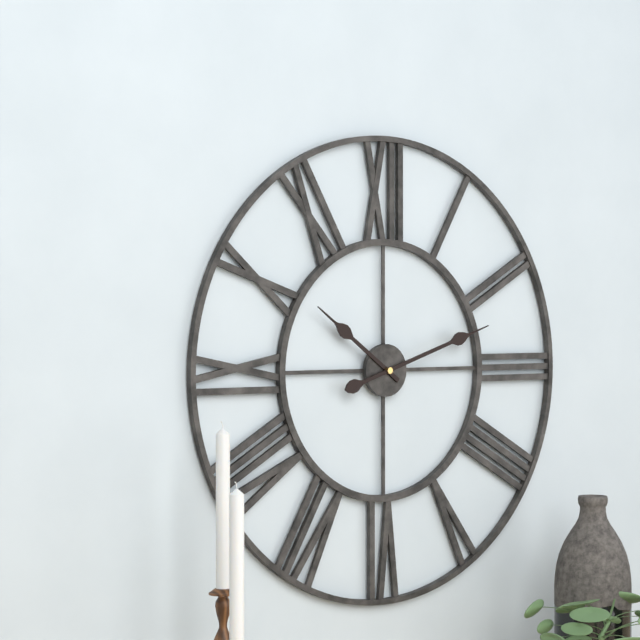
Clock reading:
10.12
